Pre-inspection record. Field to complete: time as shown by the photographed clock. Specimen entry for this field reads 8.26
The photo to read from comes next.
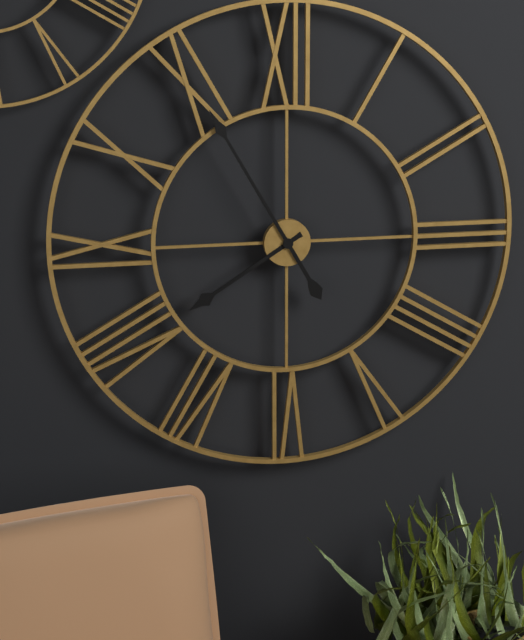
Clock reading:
7.55
